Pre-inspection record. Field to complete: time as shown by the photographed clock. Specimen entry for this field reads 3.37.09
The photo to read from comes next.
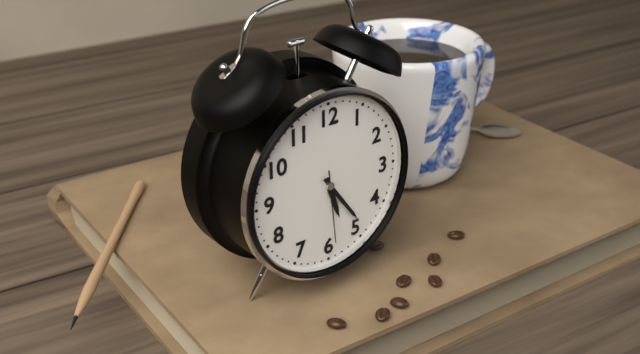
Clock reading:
5.24.29
